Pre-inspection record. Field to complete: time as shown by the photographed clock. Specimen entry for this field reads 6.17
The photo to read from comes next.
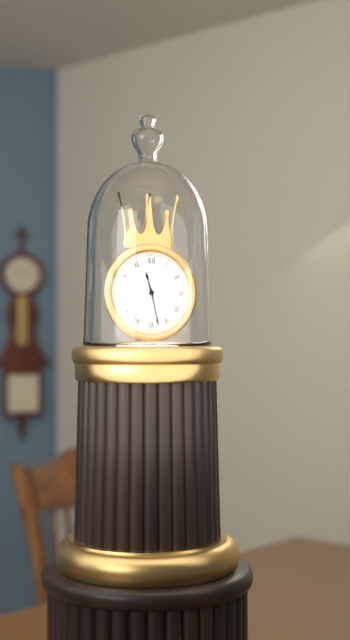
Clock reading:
11.28
